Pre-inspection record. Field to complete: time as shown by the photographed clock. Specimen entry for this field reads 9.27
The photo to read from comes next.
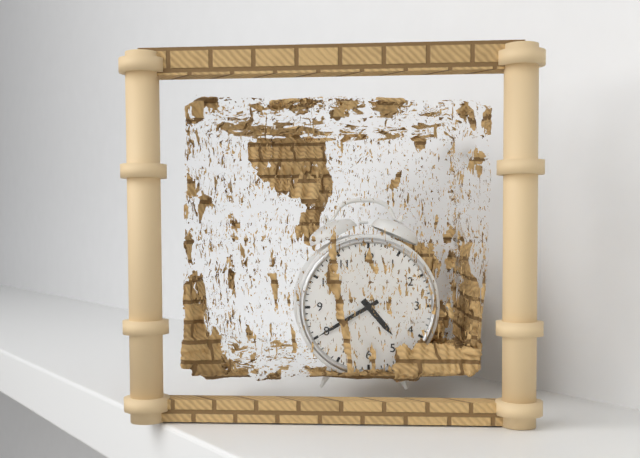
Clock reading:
4.40
